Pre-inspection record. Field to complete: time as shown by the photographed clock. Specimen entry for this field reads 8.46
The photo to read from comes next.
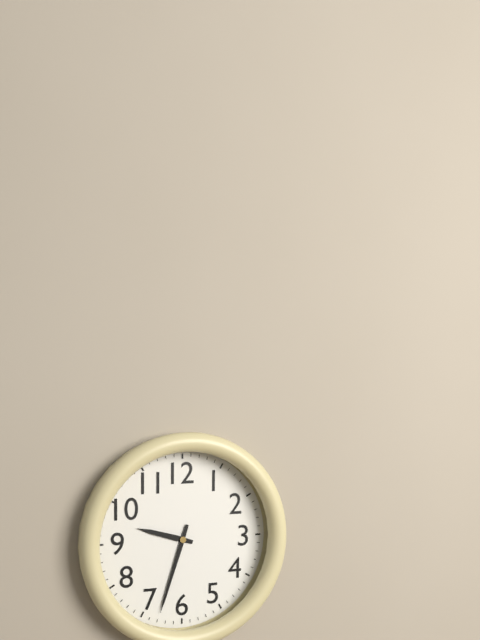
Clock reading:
9.33
